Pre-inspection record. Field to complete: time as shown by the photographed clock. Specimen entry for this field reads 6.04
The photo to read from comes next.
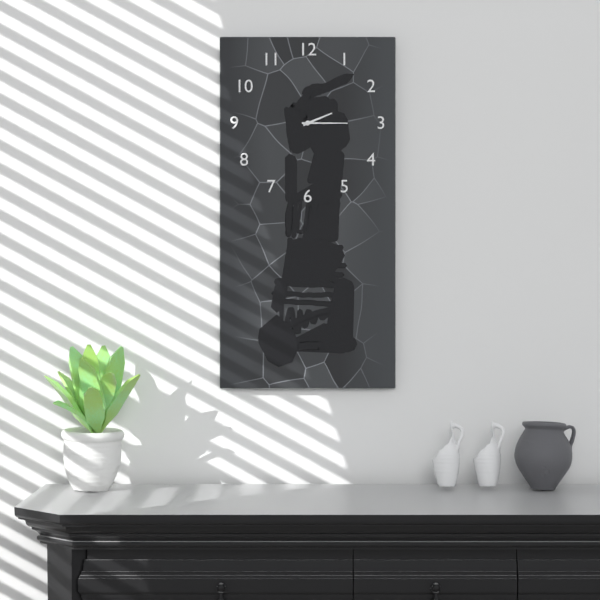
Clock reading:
2.15
